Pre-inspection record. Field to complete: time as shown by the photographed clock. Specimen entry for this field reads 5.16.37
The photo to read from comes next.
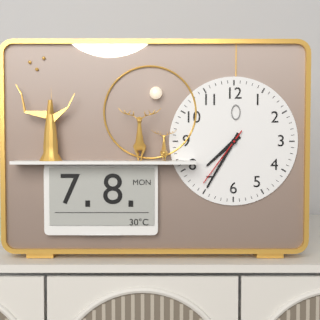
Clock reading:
7.35.36
